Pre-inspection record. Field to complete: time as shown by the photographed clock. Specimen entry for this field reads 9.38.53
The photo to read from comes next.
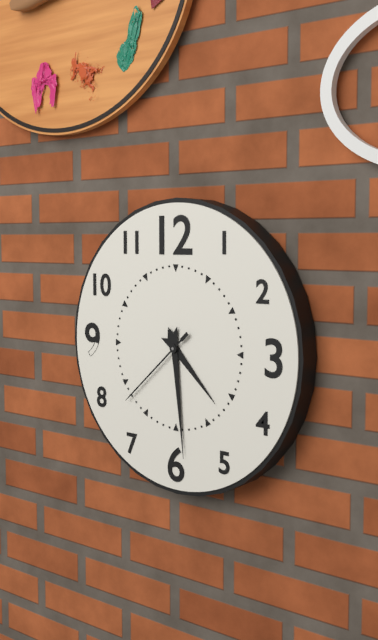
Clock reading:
4.29.38
